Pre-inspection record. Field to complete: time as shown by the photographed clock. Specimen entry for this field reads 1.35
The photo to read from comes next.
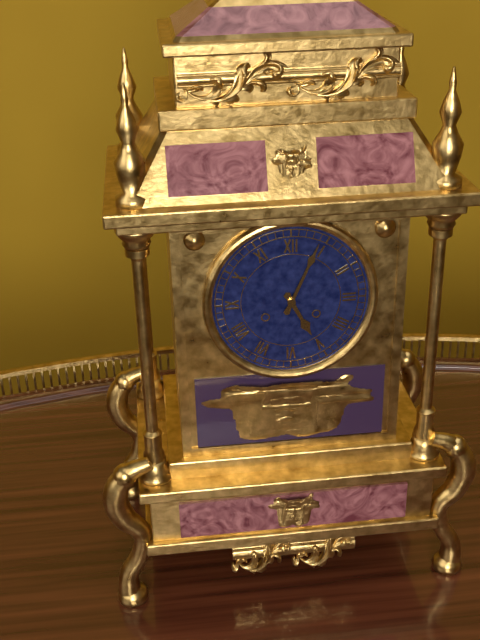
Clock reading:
5.04
